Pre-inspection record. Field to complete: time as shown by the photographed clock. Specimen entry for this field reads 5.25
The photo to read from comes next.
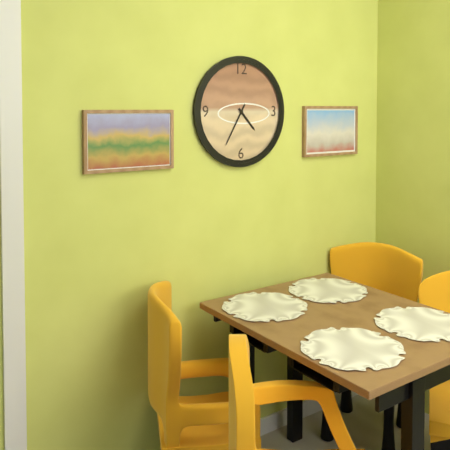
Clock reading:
4.35
